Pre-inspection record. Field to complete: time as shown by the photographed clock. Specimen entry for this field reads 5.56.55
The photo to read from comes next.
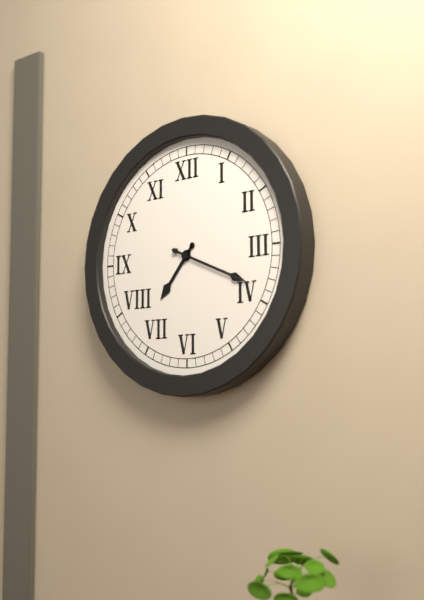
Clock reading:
7.19.19
